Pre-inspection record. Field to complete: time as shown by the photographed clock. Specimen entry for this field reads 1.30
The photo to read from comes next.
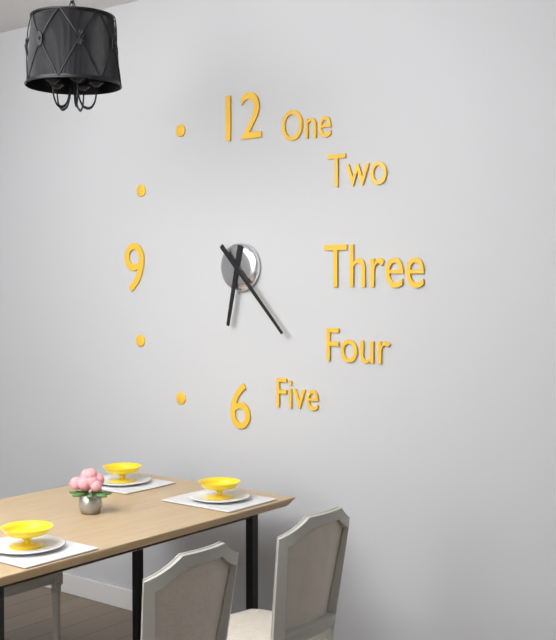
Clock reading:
6.23
